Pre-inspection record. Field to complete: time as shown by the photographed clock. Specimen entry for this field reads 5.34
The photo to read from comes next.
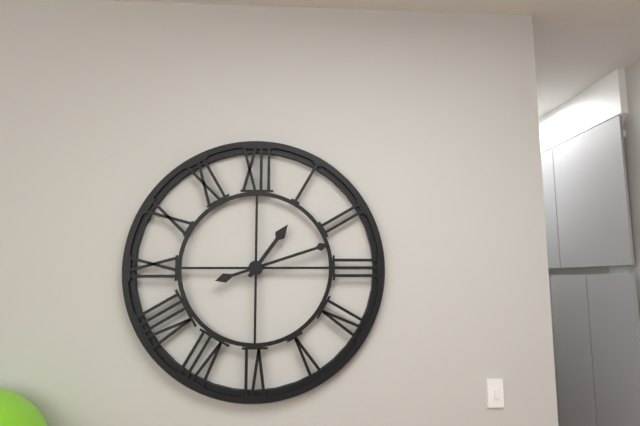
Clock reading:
1.12
